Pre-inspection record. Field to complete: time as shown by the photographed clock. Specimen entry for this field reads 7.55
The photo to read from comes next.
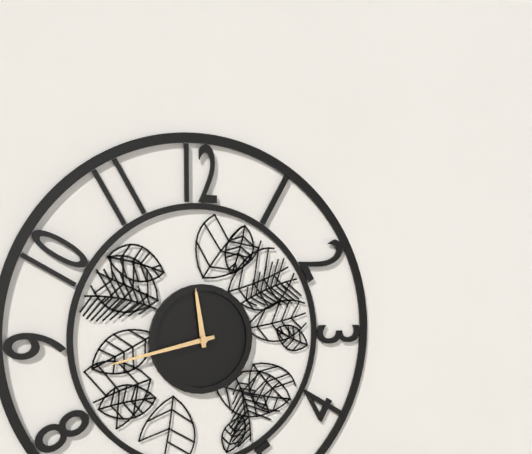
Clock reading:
11.43
